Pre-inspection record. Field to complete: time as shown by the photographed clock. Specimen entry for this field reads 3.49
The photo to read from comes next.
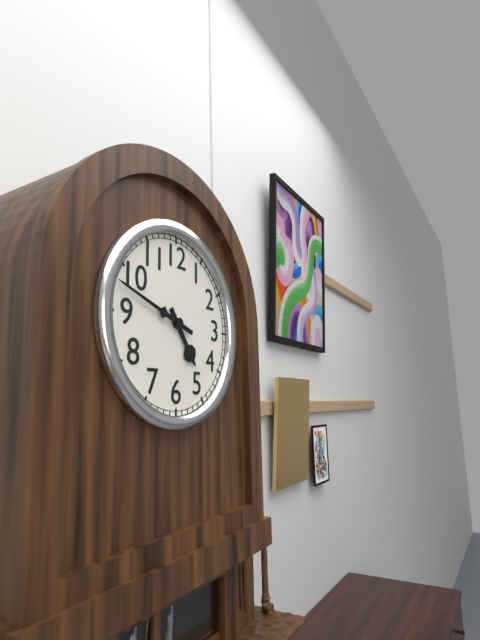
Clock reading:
4.48
